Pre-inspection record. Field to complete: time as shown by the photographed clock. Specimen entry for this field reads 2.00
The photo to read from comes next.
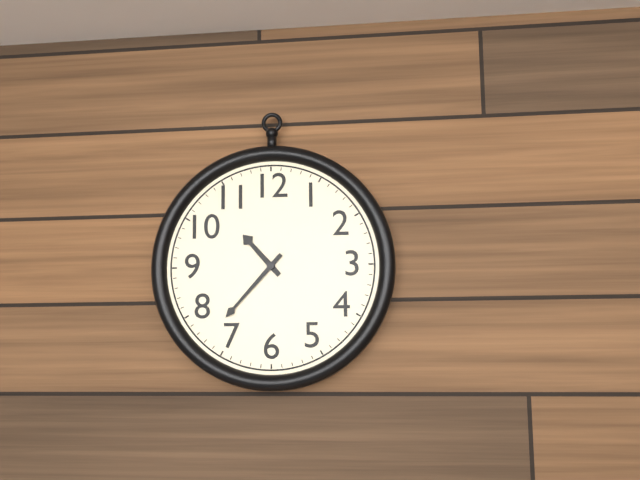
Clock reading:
10.37
